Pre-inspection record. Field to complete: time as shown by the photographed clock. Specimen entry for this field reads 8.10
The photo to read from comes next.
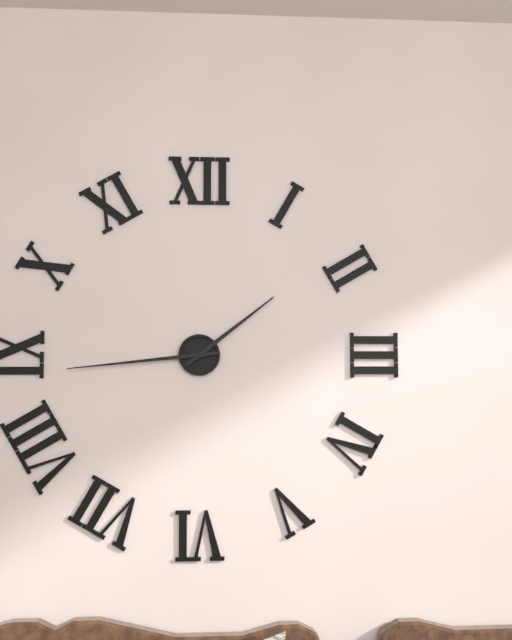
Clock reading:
1.44
